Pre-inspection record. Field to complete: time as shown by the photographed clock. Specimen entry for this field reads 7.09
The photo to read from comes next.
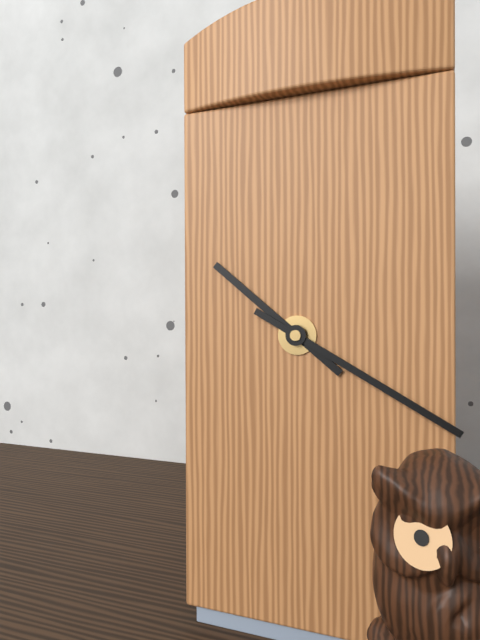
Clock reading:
10.20
